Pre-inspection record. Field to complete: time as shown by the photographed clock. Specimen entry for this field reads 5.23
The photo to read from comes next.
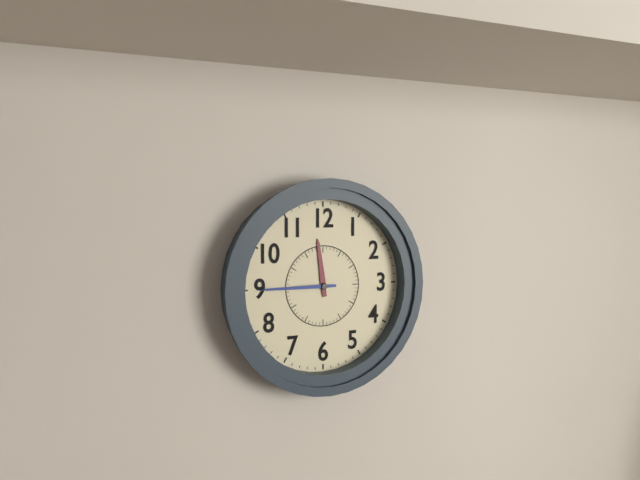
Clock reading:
11.45
